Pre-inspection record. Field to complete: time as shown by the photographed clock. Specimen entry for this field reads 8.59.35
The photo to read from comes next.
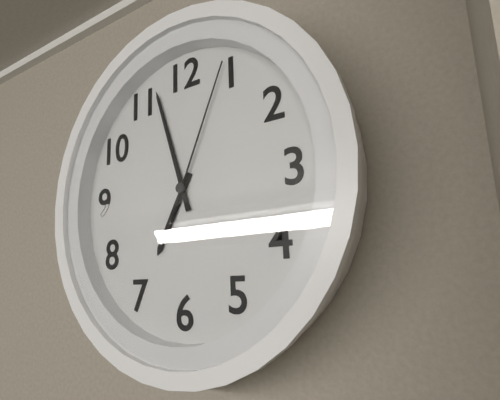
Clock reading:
6.57.04
